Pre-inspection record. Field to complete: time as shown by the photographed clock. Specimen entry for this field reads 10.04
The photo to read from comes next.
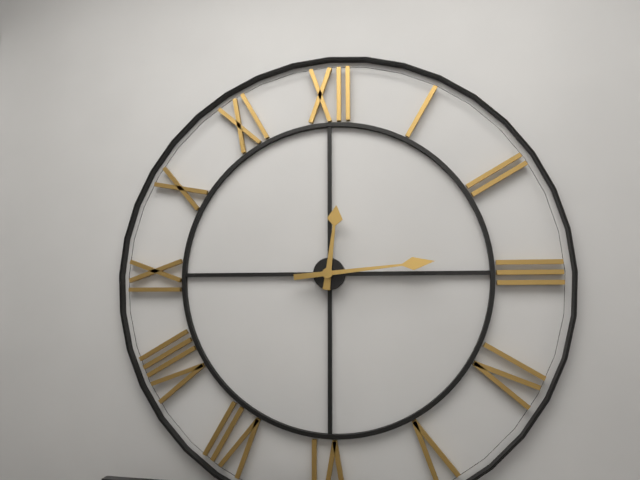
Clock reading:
12.14
